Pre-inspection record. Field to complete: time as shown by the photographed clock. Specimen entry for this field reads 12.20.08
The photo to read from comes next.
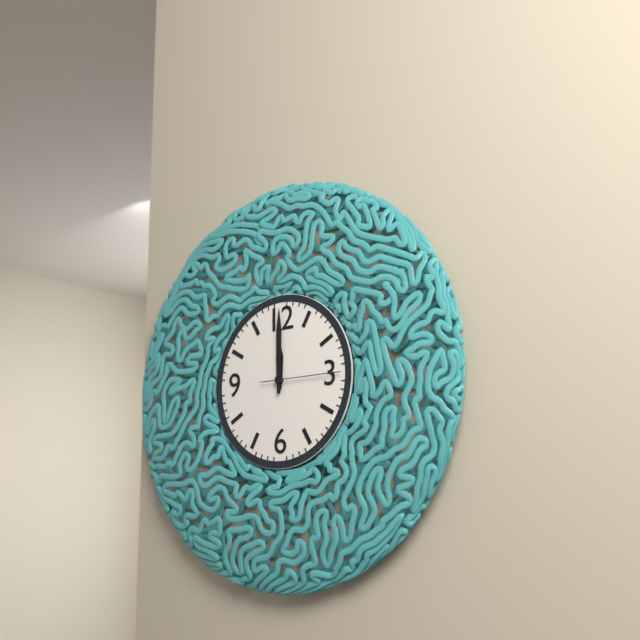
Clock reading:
12.00.15
